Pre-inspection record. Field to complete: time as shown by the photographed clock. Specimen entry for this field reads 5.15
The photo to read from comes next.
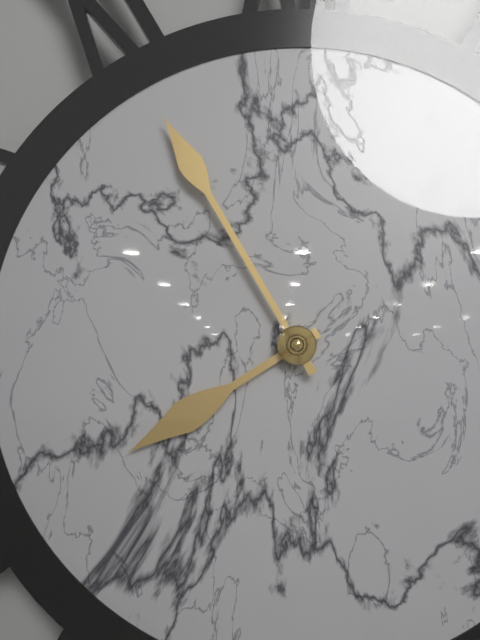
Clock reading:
7.55
